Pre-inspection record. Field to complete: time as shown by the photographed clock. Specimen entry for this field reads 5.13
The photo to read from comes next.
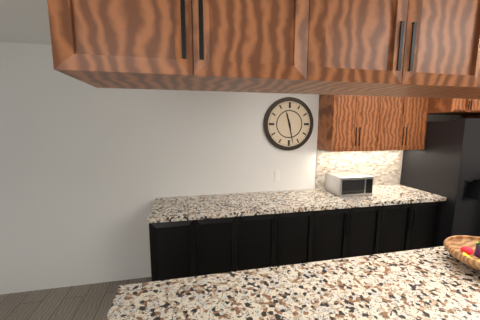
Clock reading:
11.28
